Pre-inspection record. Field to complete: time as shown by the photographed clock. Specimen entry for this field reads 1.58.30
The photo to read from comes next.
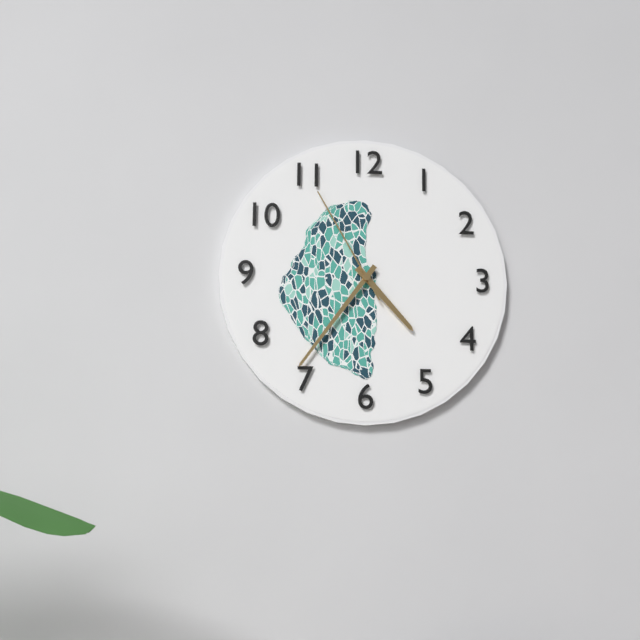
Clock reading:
4.36.55
